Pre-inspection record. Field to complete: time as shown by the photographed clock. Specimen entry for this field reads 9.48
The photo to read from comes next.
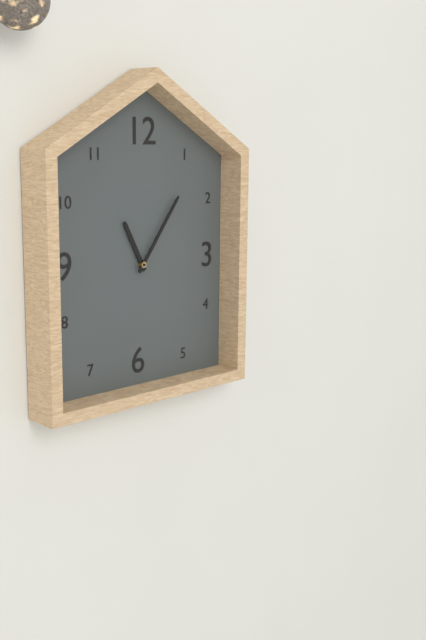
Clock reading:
11.06
